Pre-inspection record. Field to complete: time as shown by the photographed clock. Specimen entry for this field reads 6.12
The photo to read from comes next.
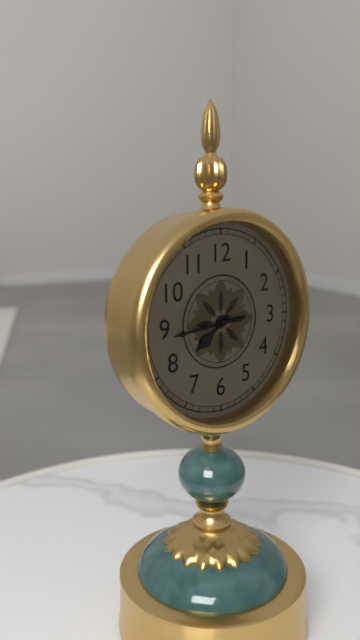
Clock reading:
7.44
